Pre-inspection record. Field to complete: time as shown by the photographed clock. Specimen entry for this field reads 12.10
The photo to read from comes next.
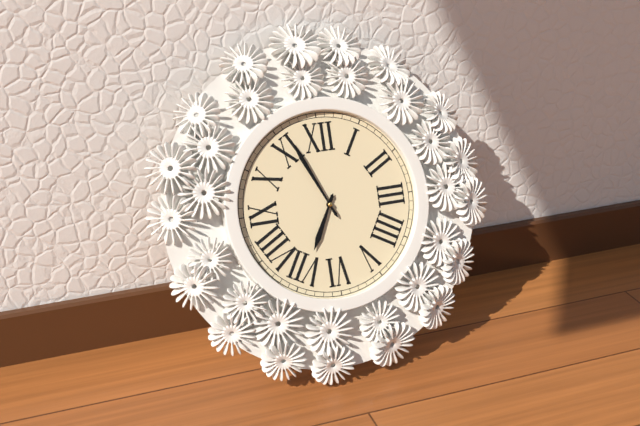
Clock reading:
6.56
